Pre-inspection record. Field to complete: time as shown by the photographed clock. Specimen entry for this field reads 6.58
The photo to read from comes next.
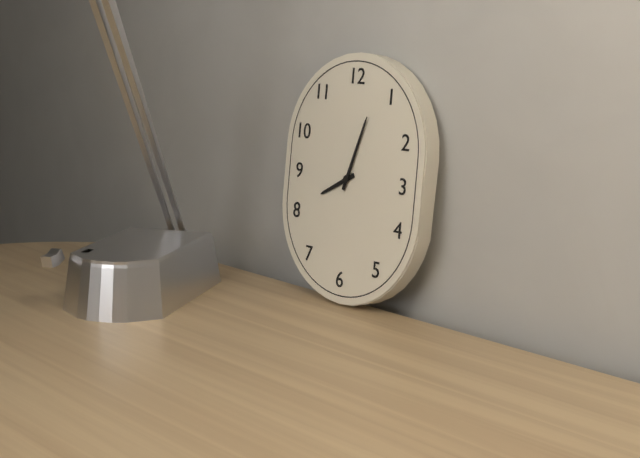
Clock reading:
8.03
